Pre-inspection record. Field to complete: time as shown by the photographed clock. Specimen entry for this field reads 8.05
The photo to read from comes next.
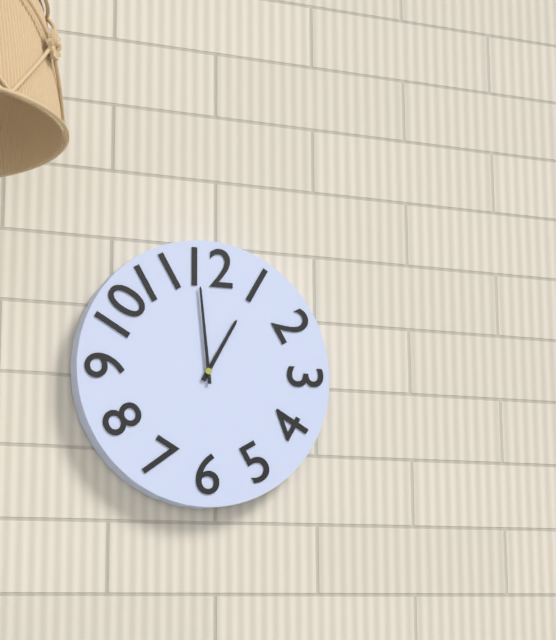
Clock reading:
12.59
